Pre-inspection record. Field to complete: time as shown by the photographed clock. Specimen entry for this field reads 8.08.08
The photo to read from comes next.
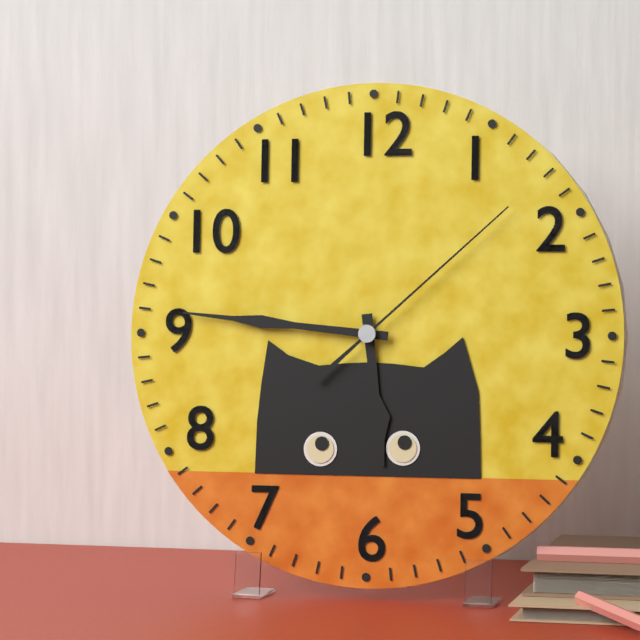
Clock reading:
5.46.08
